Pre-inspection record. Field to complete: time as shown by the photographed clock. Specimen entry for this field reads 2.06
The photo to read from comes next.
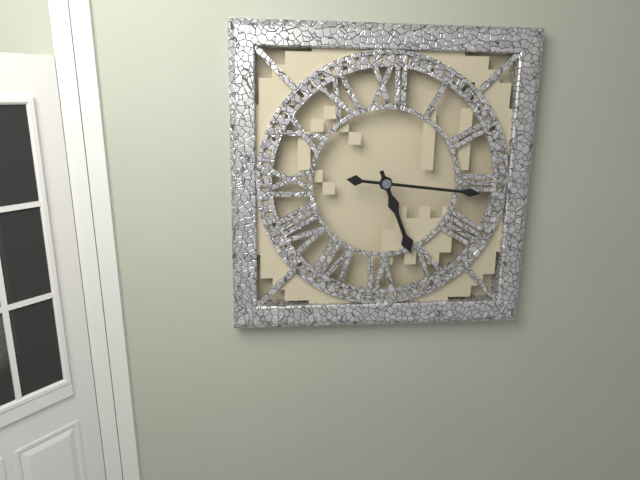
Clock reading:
5.16
